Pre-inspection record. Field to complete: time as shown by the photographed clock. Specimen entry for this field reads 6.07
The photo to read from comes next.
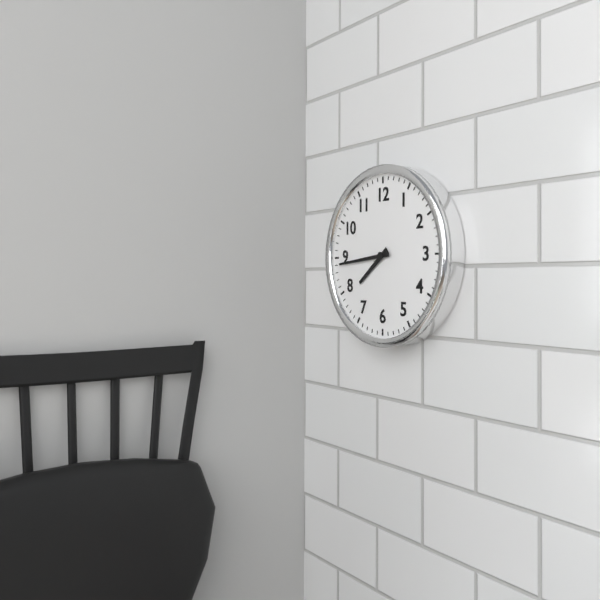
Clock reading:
7.44
